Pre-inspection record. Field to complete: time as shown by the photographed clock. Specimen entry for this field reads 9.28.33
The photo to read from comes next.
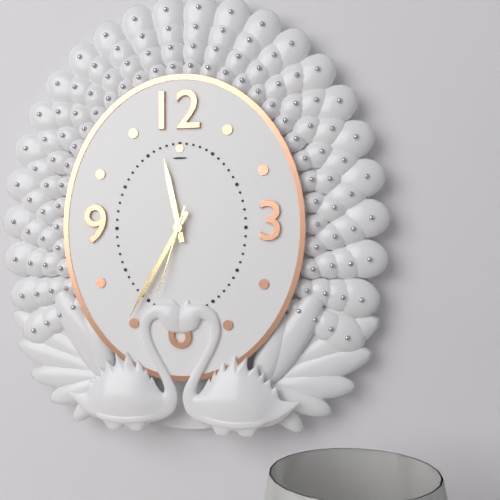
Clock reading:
11.35.33
